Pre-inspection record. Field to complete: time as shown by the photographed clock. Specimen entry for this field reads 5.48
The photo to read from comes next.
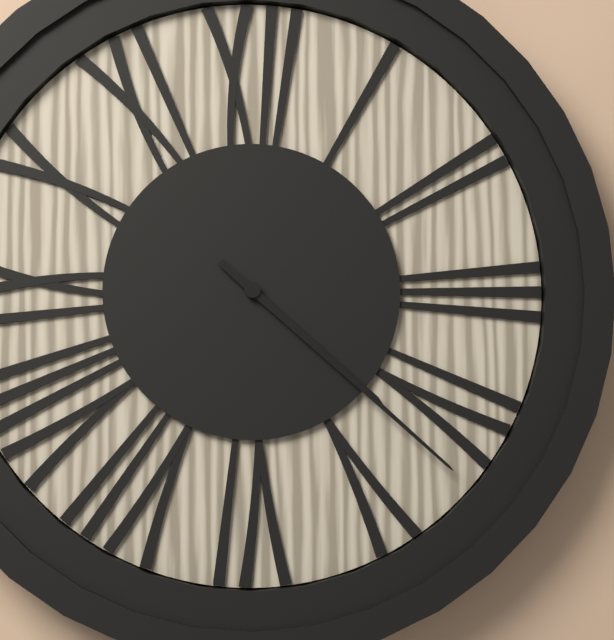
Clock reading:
4.22
